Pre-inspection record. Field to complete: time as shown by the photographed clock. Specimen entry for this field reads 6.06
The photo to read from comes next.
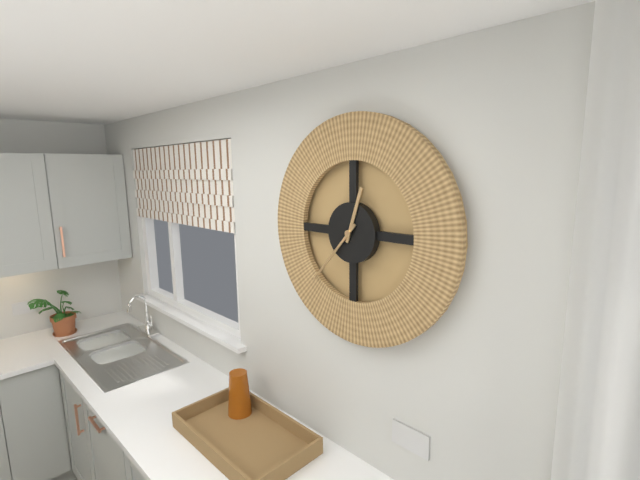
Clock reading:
12.37
